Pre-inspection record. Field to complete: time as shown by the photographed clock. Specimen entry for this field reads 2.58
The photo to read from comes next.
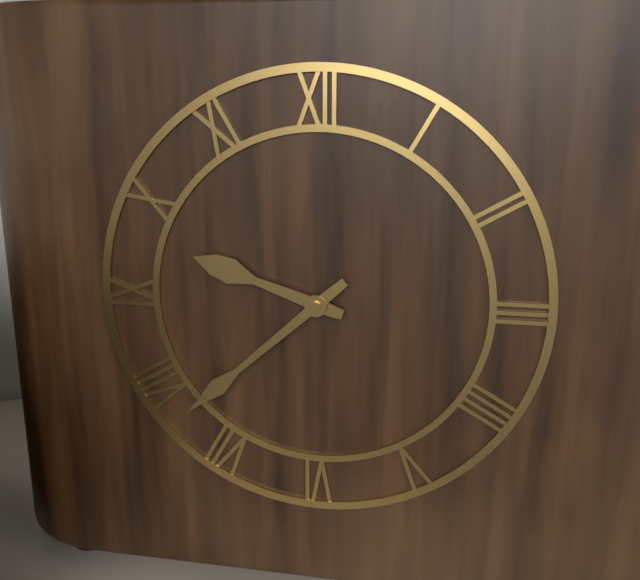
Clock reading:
9.38
